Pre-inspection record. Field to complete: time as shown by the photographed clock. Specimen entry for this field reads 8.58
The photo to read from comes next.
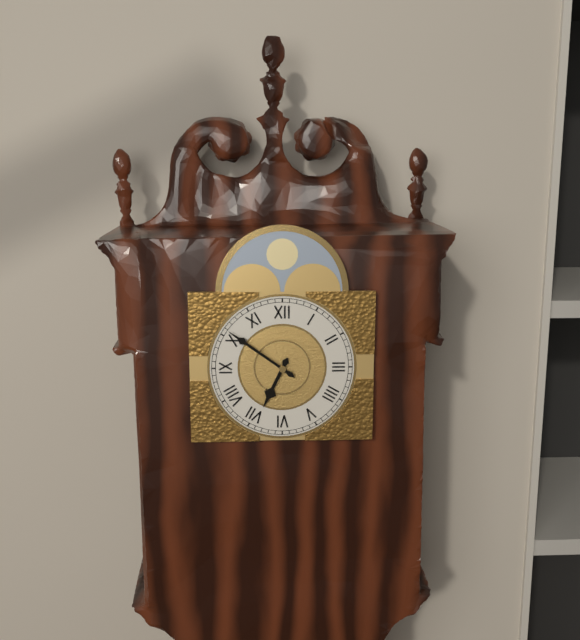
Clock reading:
6.51
